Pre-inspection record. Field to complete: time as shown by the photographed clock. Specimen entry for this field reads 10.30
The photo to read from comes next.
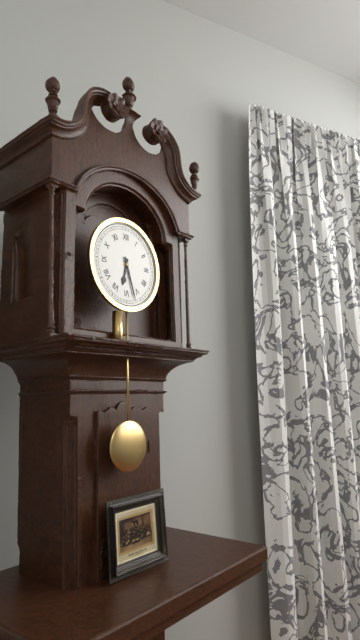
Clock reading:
6.27
